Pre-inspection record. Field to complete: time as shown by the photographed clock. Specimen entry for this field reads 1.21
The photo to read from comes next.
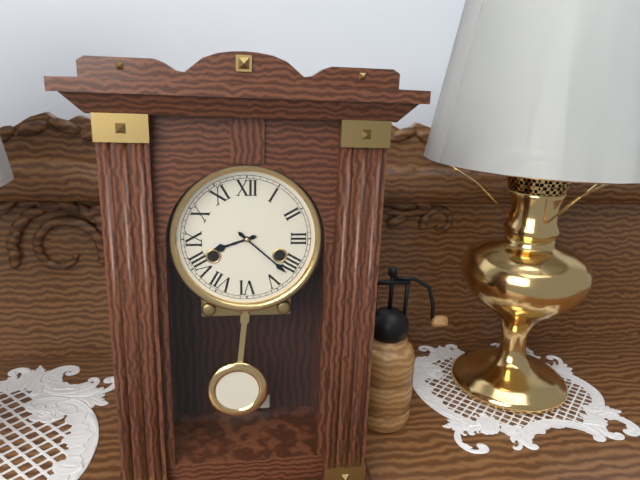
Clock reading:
8.22
